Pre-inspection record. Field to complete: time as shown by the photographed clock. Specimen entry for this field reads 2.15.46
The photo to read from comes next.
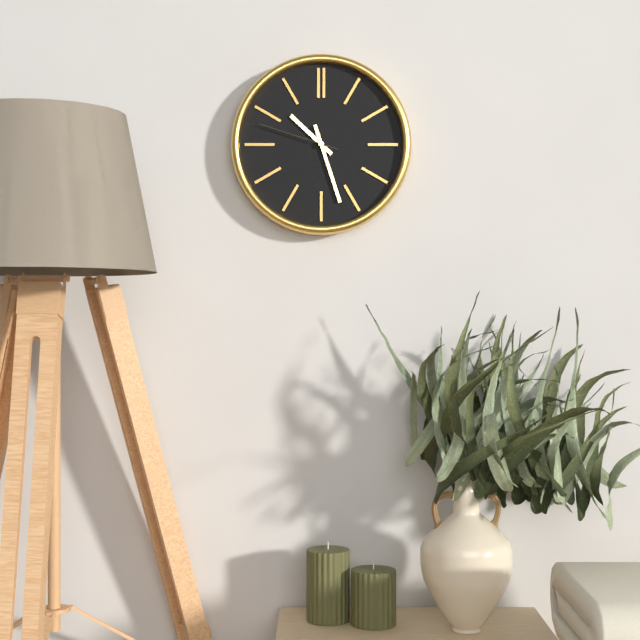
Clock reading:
10.27.48
